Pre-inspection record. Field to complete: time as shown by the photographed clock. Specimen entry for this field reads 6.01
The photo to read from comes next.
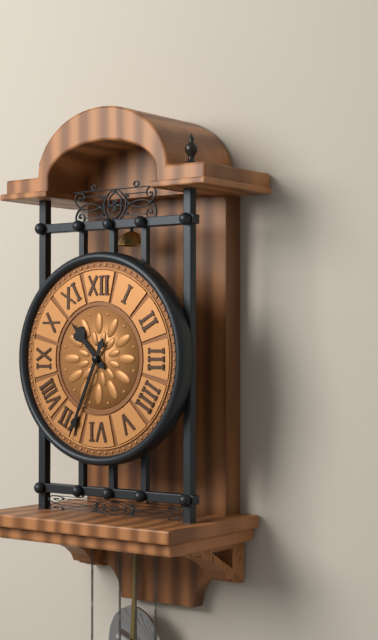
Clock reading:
10.34
